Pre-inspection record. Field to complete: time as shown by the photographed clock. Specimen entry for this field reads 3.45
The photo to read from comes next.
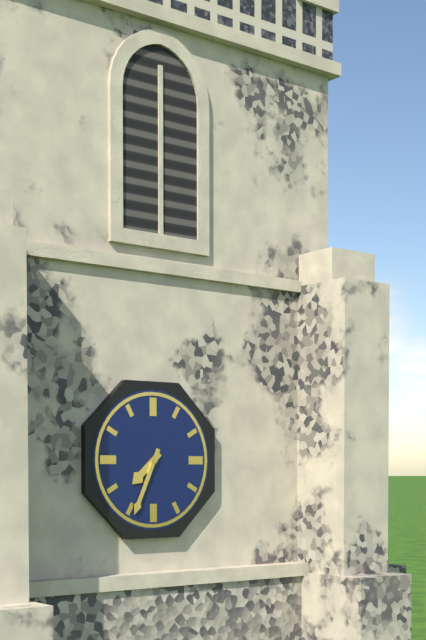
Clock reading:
7.34
